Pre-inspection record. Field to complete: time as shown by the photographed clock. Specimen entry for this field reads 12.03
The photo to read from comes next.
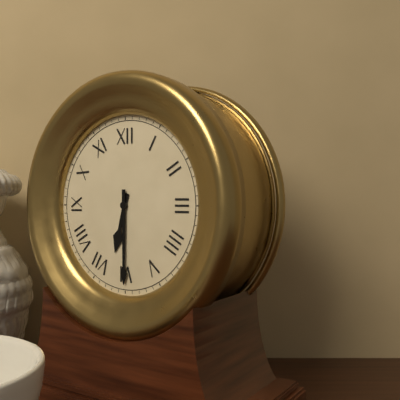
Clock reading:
6.30
